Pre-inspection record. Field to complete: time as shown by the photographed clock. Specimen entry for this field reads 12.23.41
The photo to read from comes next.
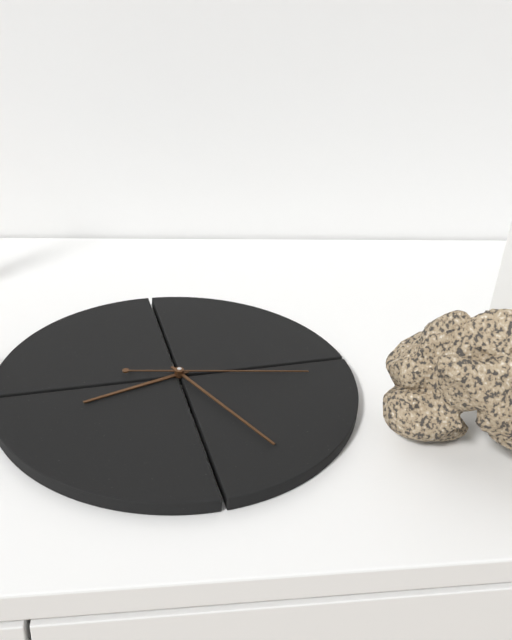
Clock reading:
8.26.17
